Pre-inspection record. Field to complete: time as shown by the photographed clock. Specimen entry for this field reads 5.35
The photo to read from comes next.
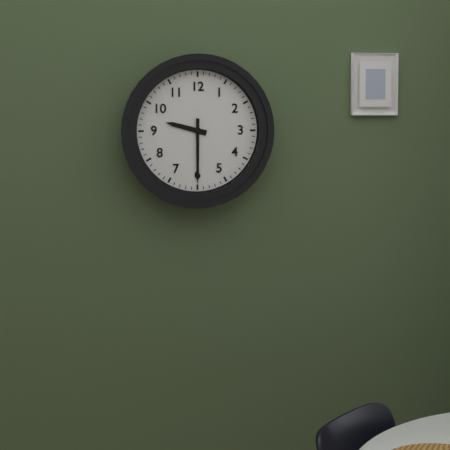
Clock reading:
9.30
